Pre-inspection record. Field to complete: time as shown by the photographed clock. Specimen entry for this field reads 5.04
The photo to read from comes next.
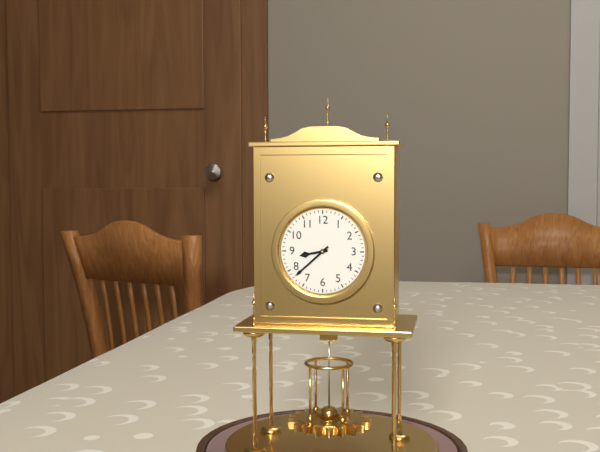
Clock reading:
8.38
